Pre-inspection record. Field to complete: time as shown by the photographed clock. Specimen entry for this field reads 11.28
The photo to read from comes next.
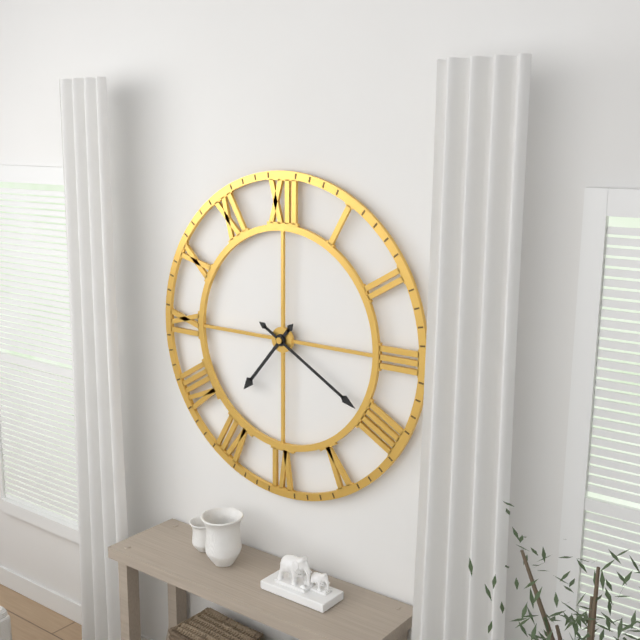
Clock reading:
7.20
